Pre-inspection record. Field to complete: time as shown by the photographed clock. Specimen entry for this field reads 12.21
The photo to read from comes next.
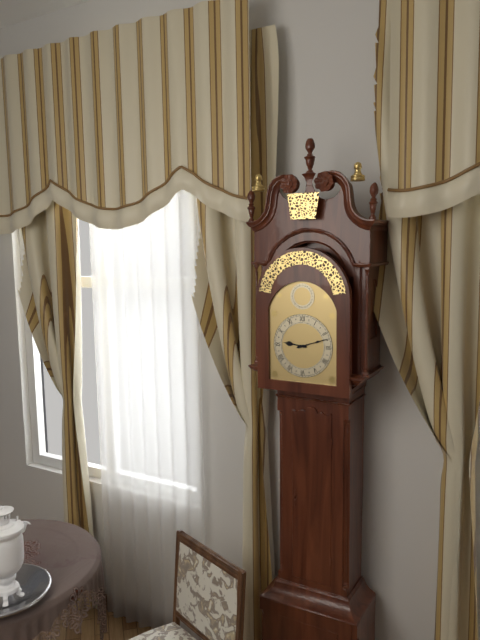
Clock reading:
9.12
